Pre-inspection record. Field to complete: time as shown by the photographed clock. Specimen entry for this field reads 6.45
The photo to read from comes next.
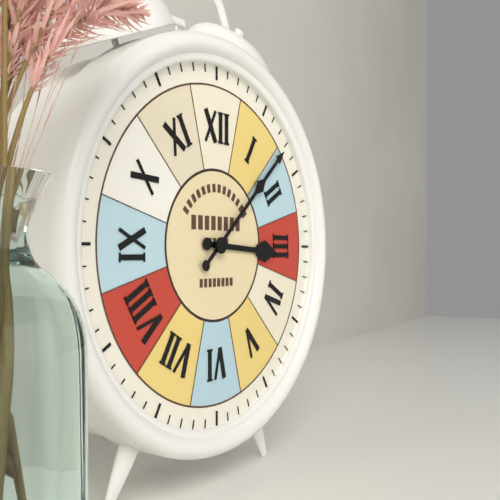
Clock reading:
3.08
